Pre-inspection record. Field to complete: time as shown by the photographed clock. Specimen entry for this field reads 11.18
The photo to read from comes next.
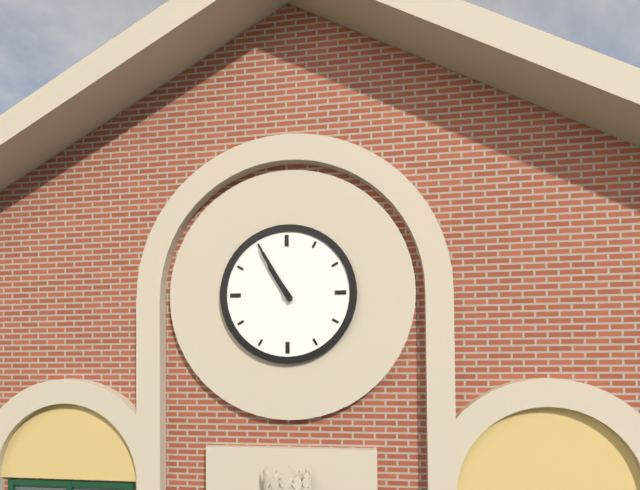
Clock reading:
10.55
